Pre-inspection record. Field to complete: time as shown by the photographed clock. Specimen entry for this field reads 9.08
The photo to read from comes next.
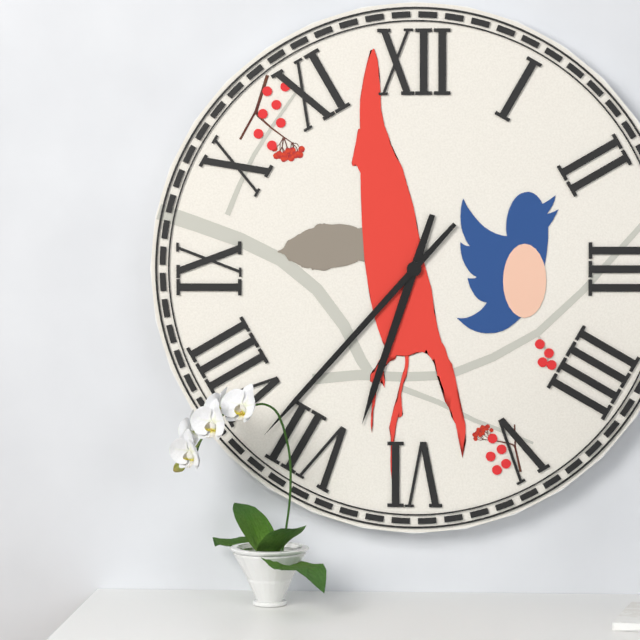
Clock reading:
6.37
